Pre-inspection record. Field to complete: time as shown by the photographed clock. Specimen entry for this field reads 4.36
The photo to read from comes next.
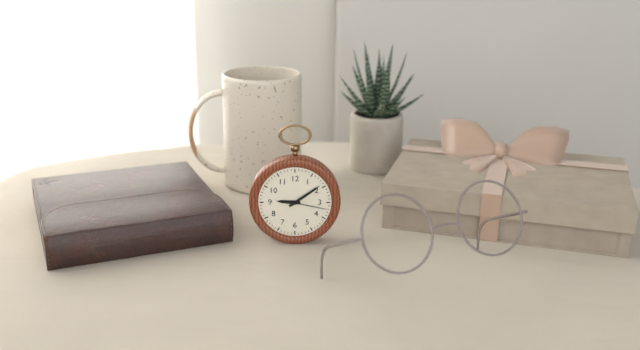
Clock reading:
9.09
